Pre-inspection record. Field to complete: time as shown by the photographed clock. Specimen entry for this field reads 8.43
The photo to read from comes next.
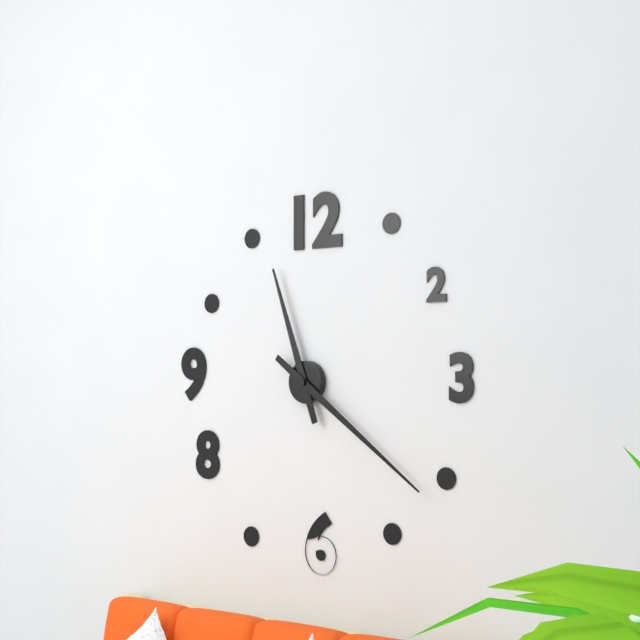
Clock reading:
11.21
